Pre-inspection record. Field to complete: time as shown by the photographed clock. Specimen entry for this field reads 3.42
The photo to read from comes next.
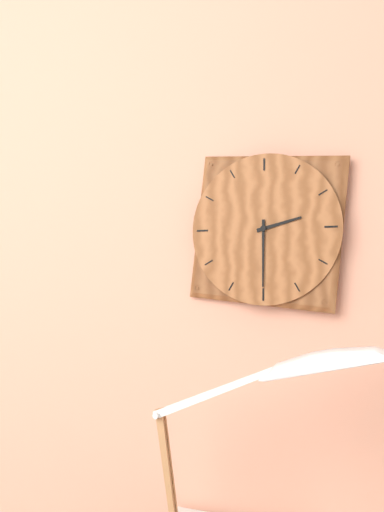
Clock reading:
2.30
